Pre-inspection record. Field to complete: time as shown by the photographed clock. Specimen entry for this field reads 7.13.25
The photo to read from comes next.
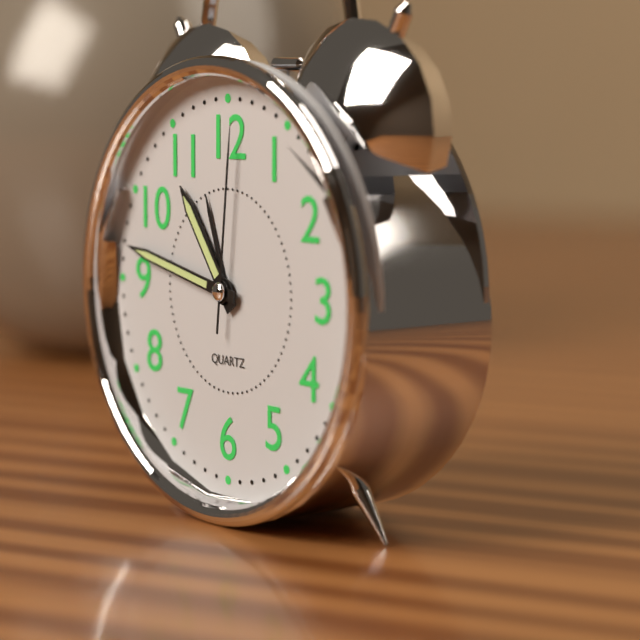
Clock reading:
10.47.01
